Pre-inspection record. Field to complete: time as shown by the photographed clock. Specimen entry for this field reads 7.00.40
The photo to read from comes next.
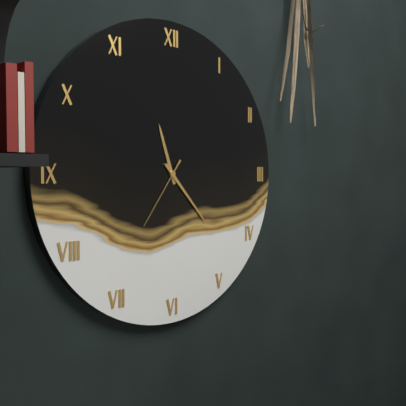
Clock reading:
11.23.36
